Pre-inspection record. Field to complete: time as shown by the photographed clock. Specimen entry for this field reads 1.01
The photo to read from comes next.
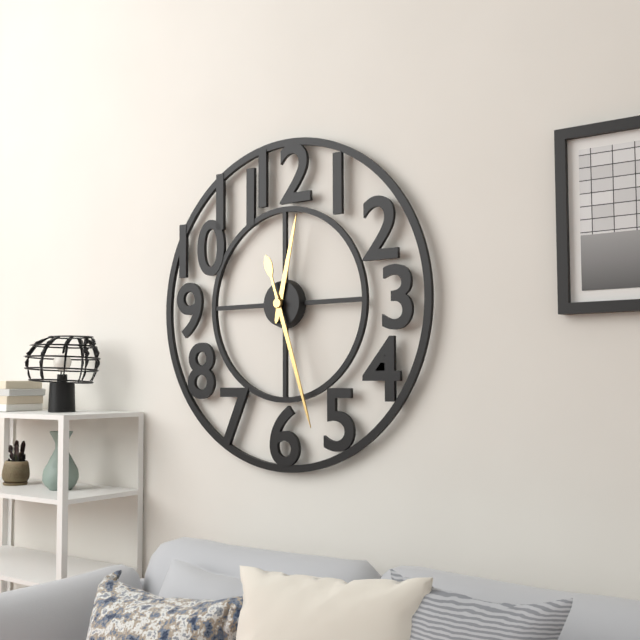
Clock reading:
12.27
